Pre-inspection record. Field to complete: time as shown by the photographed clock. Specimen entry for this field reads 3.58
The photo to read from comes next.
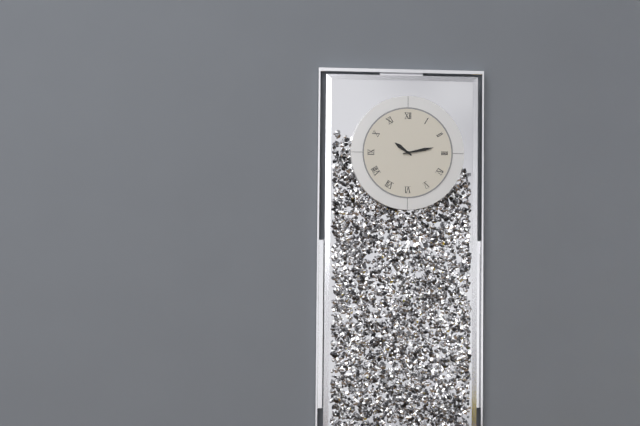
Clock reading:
10.13
